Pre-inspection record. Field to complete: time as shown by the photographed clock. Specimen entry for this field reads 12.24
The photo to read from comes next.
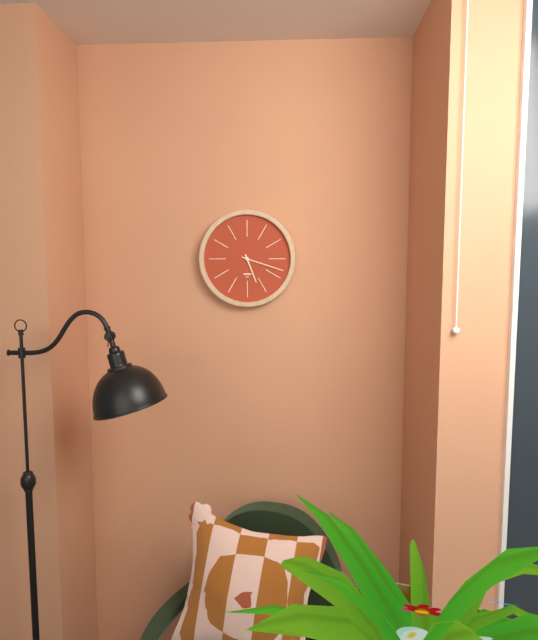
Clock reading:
5.18
